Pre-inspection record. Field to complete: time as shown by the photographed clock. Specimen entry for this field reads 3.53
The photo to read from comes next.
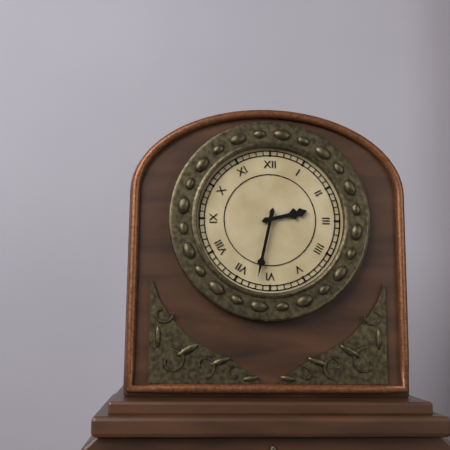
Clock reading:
2.32
